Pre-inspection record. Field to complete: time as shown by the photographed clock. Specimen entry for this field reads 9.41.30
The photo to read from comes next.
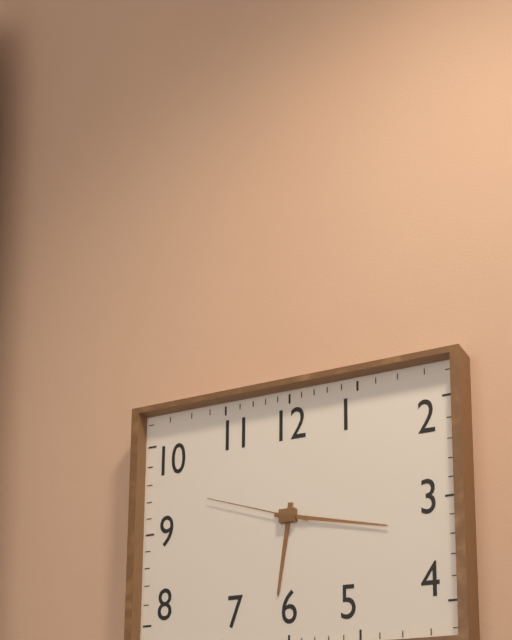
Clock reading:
6.17.48
